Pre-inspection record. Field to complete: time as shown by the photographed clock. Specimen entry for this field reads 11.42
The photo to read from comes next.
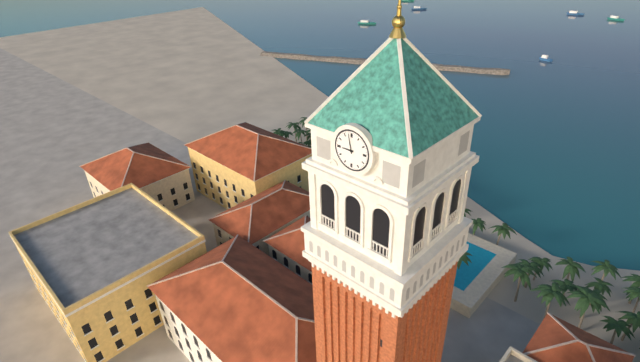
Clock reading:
8.58
